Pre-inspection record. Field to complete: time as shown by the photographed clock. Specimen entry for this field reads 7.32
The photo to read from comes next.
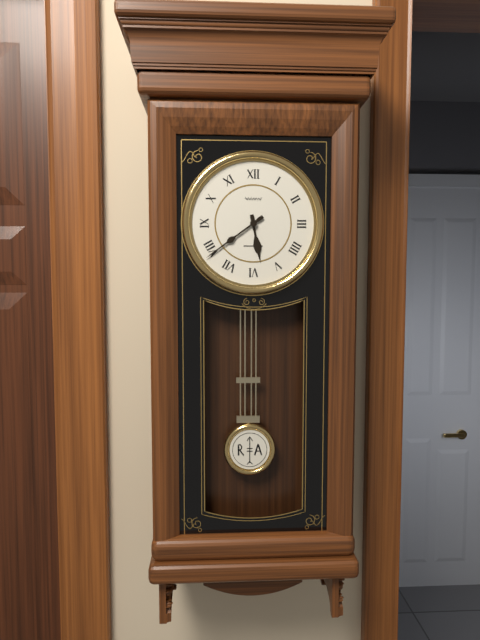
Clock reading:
5.39
